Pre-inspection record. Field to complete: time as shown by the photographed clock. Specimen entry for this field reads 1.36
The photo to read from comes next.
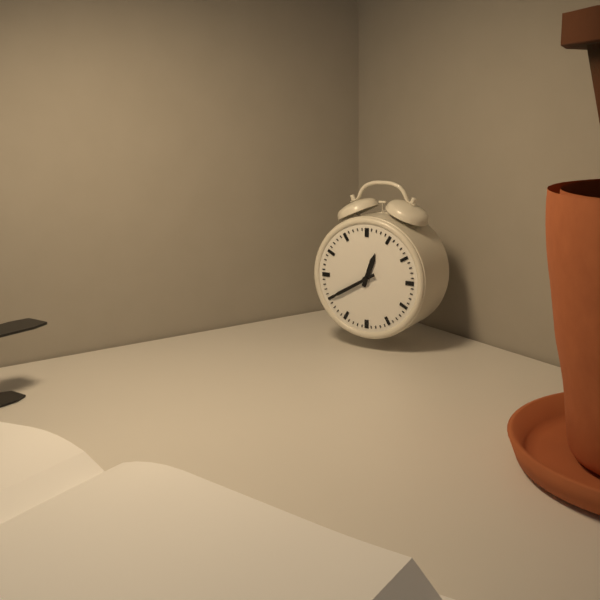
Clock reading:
12.40
